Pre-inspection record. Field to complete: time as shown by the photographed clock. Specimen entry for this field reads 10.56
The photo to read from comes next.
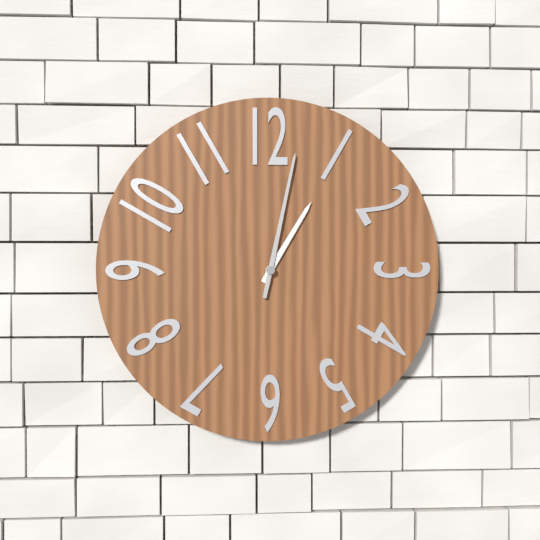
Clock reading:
1.02
